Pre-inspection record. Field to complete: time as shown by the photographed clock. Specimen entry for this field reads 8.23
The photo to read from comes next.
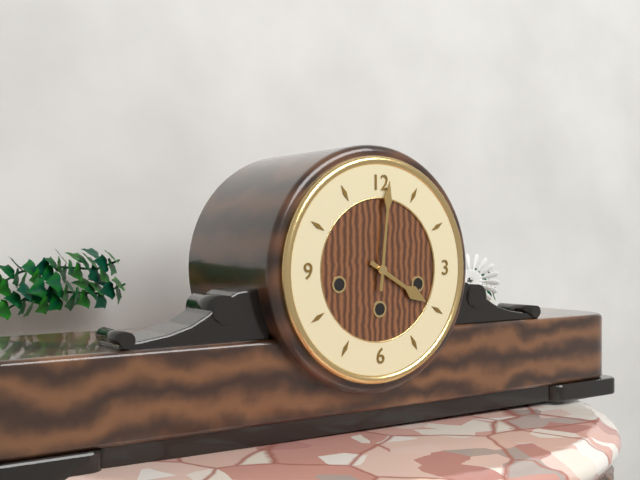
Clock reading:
4.01
